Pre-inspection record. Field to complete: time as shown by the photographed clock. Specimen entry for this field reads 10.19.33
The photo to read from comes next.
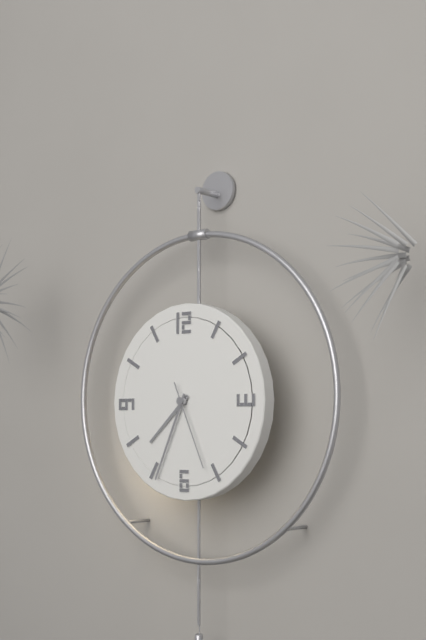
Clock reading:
7.34.26
